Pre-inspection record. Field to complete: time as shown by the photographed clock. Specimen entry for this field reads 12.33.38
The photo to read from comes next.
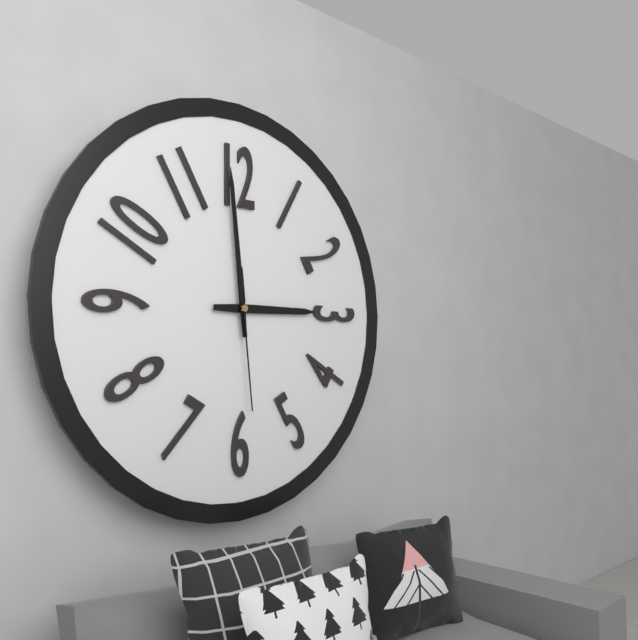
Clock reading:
2.59.29
